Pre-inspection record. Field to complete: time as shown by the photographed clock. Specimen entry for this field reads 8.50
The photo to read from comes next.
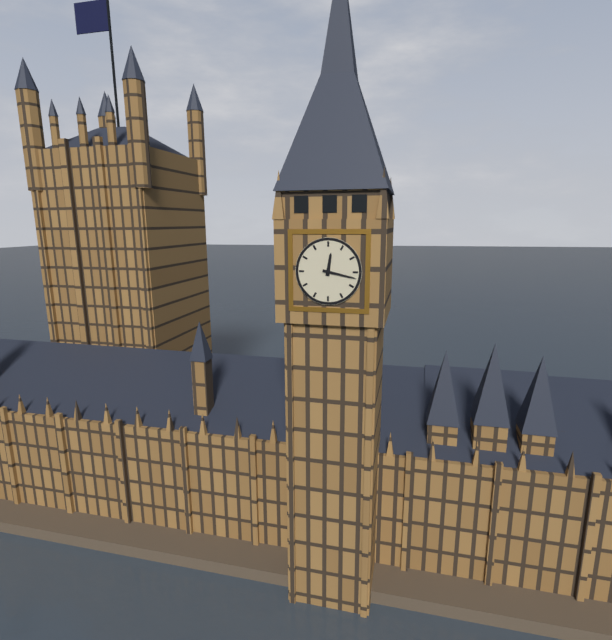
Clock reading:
12.17
